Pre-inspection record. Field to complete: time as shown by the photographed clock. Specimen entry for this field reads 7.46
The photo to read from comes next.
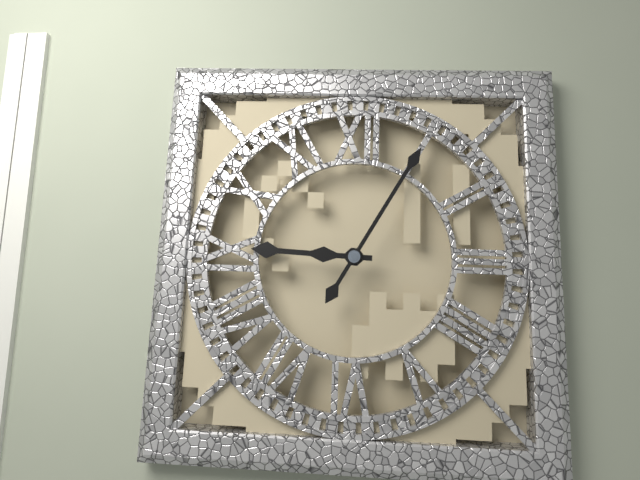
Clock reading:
9.05
